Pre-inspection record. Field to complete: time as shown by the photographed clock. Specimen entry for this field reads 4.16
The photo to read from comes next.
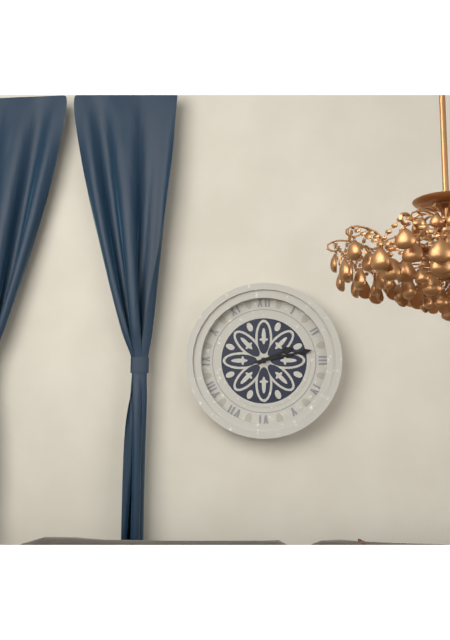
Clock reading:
2.13
